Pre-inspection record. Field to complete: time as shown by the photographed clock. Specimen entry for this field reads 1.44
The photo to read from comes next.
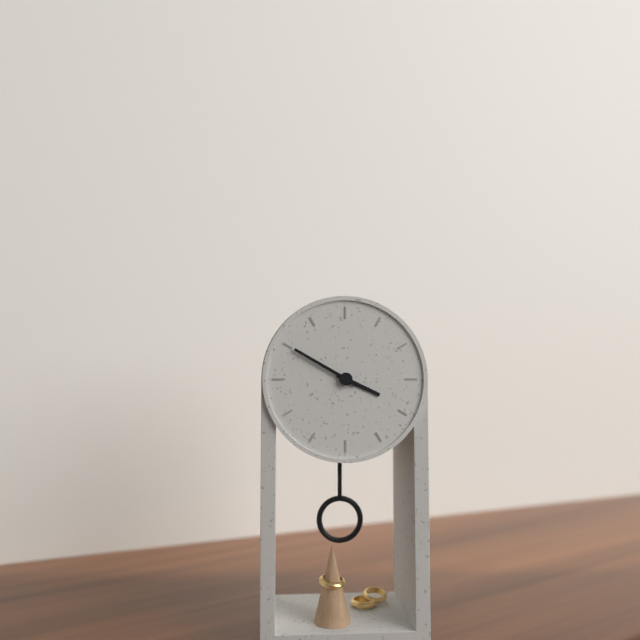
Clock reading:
3.50
